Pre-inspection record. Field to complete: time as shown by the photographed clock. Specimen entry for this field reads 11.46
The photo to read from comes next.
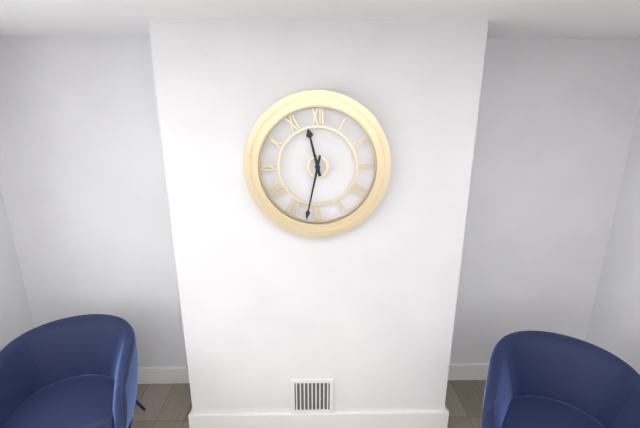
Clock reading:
11.32
